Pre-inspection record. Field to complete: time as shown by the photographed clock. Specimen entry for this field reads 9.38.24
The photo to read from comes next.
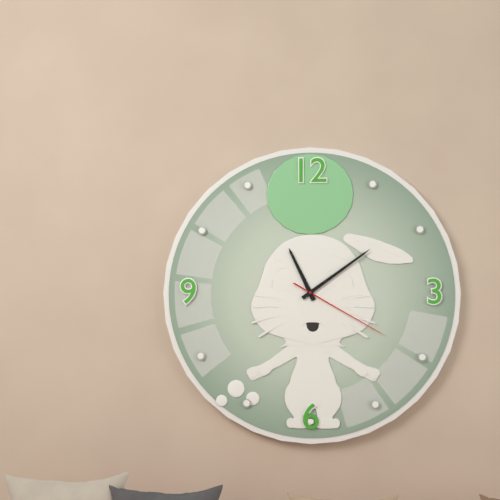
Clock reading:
11.09.20
